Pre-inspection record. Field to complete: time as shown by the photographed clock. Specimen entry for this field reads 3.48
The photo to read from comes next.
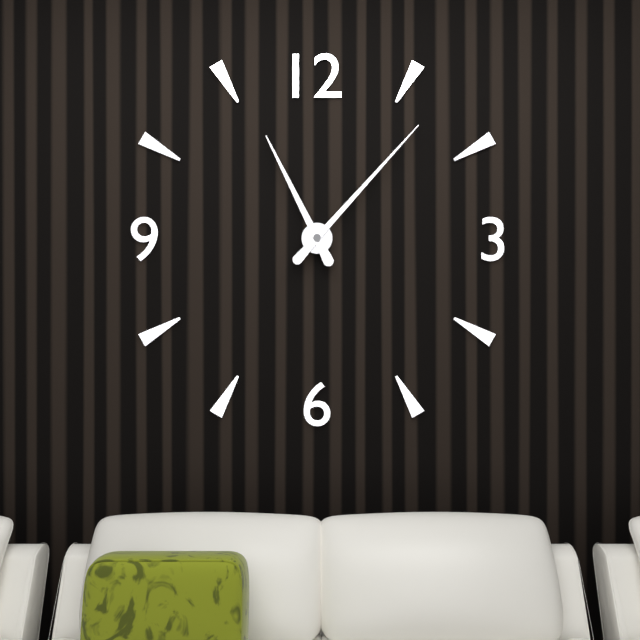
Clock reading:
11.07
